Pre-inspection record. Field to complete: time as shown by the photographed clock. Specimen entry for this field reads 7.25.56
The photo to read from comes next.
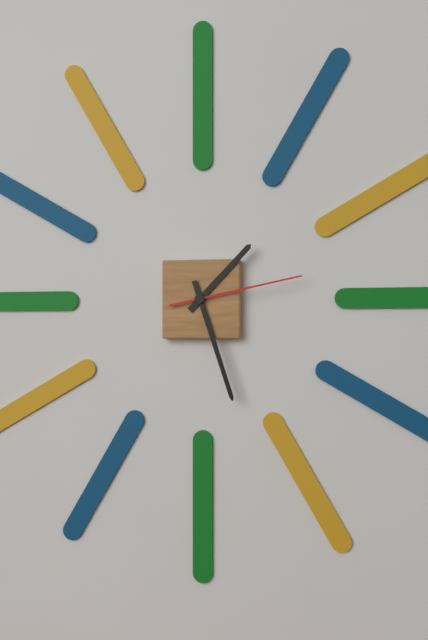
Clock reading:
1.27.13
